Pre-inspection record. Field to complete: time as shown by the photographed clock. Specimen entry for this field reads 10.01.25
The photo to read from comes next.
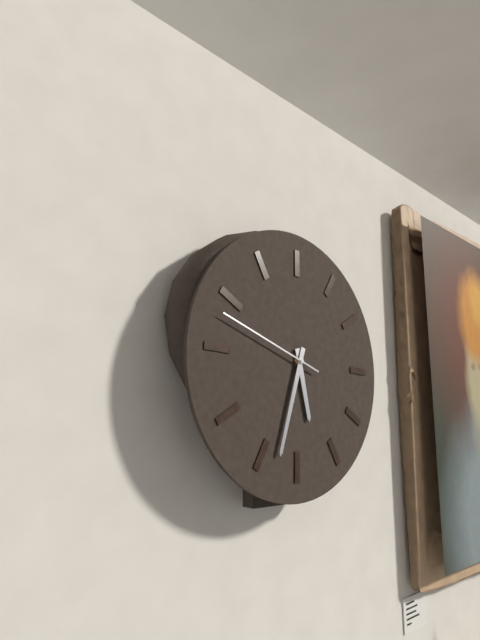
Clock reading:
5.33.48
